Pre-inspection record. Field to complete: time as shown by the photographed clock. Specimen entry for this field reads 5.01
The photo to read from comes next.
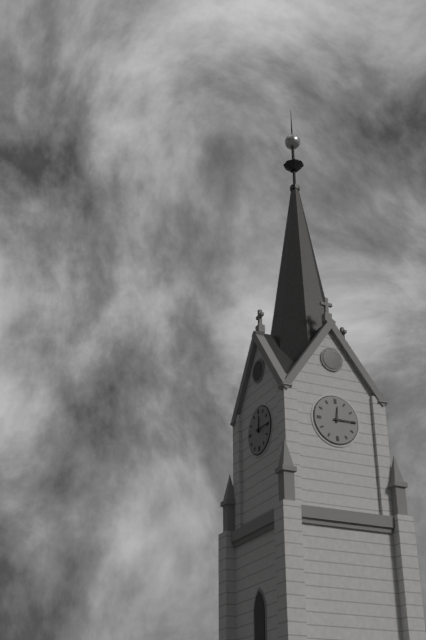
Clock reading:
12.15
